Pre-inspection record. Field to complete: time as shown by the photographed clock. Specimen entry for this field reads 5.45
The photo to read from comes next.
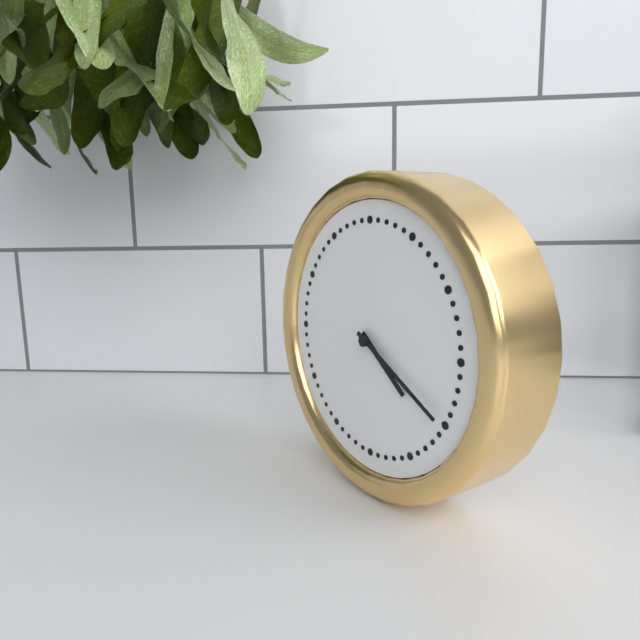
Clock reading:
4.20
